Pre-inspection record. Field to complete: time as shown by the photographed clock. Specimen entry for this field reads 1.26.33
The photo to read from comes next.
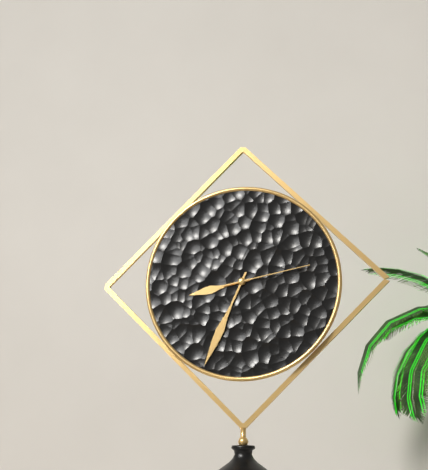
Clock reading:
8.34.13
